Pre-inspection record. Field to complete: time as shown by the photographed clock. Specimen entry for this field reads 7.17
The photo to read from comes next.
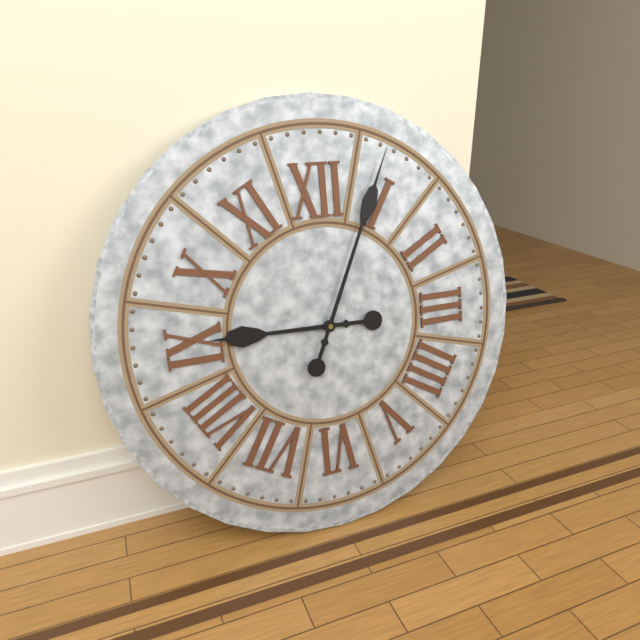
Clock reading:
9.04
